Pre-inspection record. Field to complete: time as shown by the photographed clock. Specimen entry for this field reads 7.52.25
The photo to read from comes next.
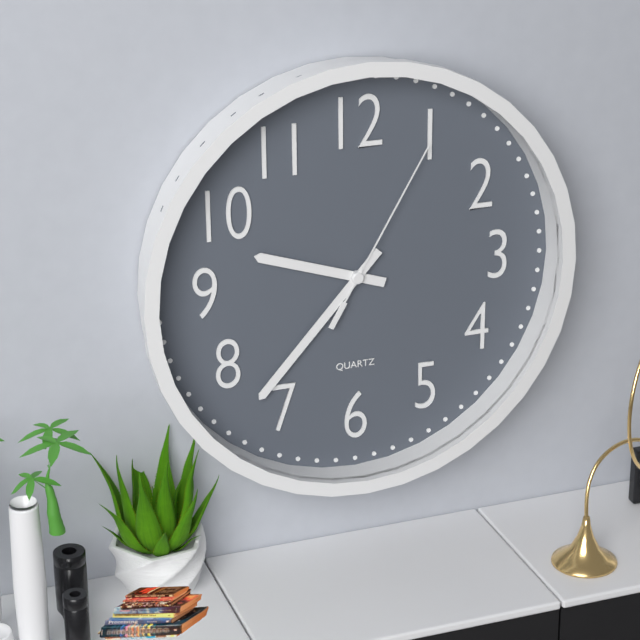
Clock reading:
9.37.05
